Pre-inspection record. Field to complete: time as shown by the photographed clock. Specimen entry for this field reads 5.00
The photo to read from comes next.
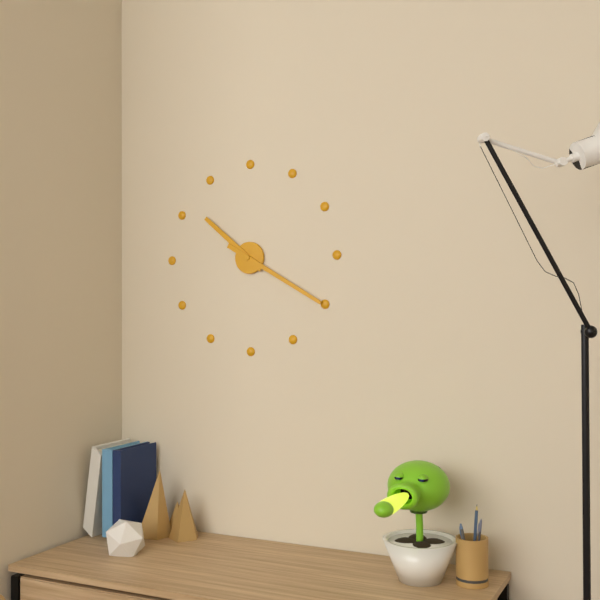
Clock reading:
10.20
